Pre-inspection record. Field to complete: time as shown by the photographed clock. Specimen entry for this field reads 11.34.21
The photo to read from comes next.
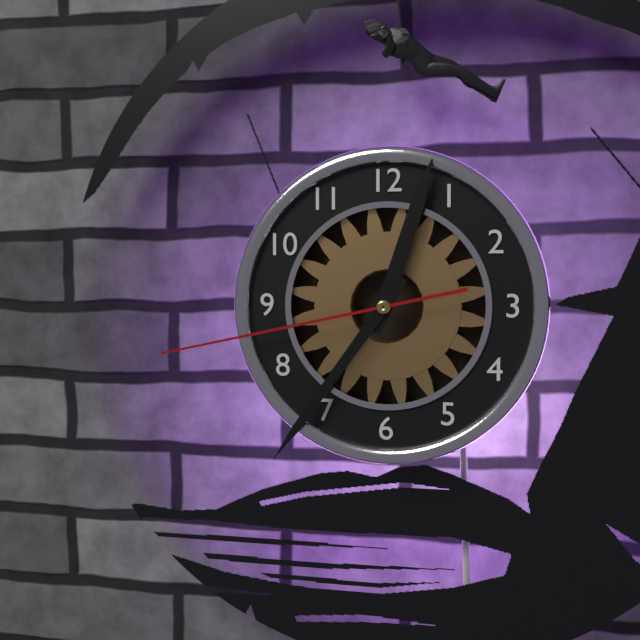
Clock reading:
12.36.43
